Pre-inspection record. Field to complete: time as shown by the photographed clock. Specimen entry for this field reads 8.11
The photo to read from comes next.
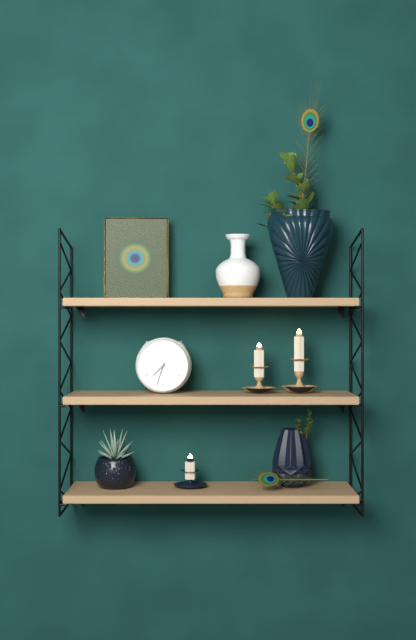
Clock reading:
7.33
